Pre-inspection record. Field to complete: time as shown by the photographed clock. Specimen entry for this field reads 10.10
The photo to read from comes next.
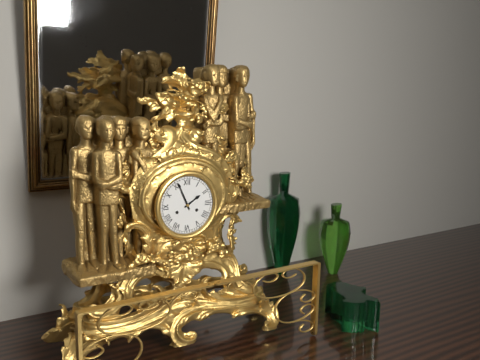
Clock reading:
1.56
